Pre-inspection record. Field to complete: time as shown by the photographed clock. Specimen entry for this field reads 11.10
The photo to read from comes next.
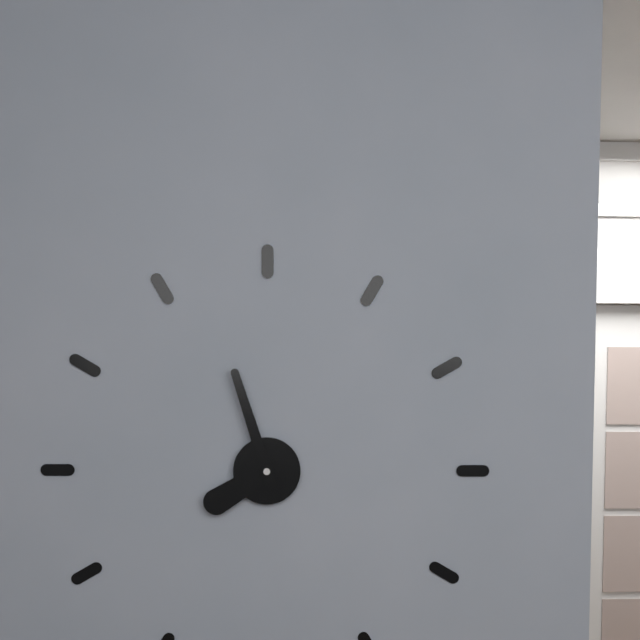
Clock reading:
7.57
